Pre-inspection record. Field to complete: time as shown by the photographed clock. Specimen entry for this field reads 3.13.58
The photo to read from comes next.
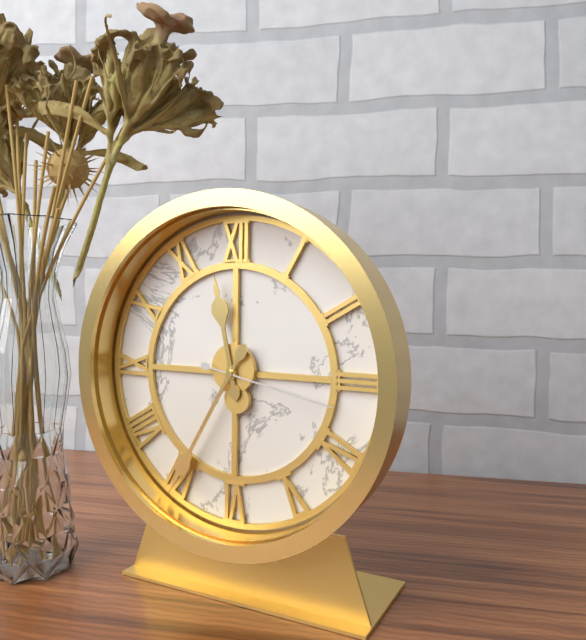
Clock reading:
11.35.17
